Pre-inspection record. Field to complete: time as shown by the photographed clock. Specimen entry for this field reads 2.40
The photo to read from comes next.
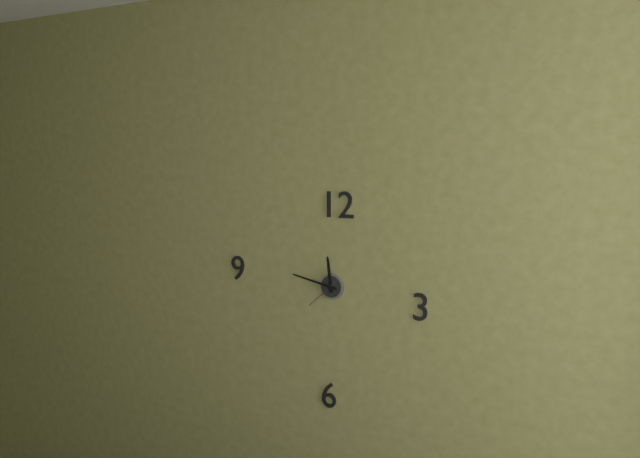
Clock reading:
11.47
